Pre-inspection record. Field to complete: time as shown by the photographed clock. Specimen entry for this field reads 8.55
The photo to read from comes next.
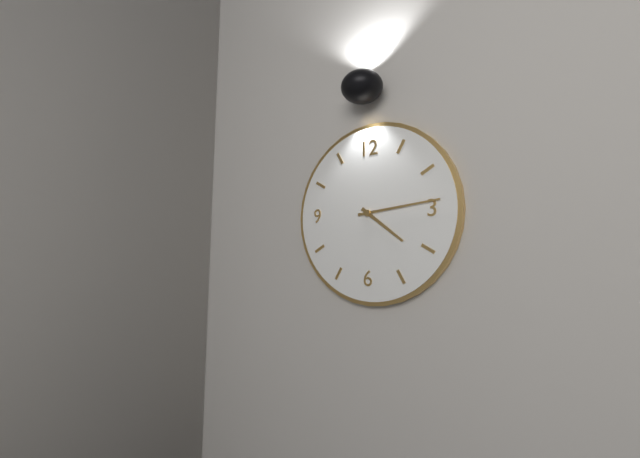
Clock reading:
4.14
